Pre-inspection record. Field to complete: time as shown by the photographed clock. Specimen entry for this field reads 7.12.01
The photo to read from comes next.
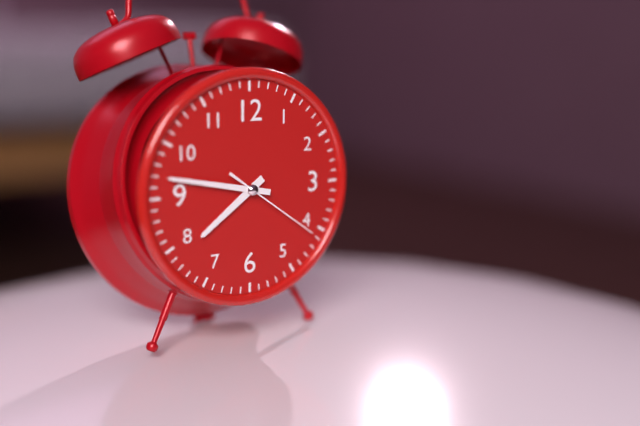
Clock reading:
7.47.21
